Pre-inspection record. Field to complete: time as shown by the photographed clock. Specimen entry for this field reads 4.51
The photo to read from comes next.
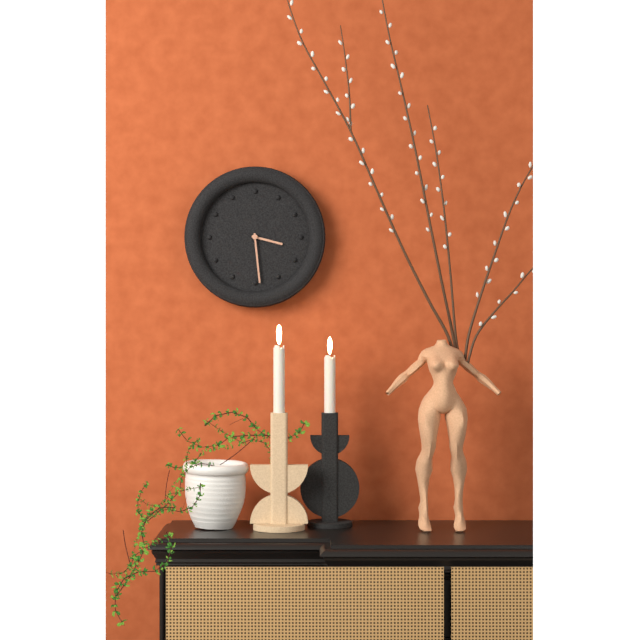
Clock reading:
3.29
